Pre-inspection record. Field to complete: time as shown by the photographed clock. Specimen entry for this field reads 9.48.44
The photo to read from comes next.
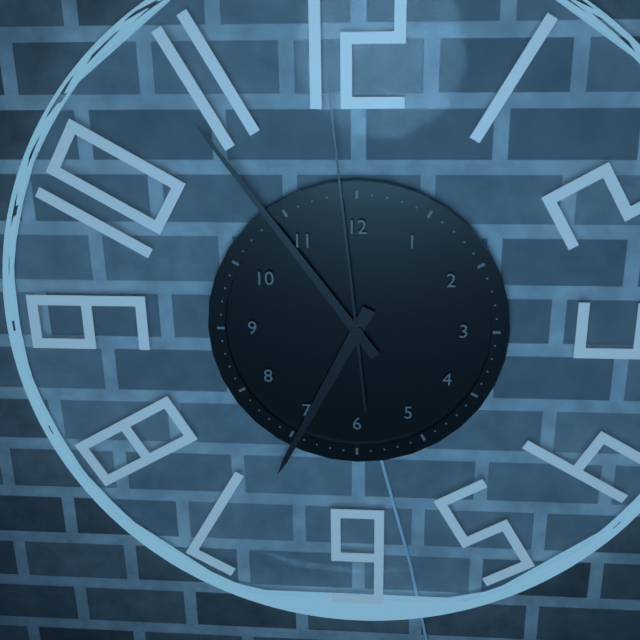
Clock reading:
6.54.59
